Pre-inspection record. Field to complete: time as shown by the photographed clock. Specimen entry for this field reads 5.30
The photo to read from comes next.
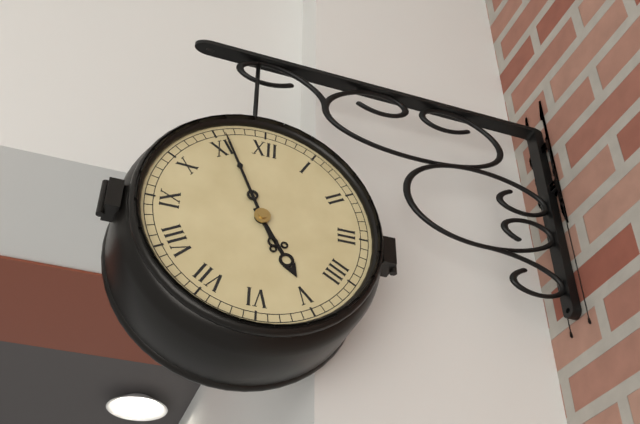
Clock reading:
4.56
